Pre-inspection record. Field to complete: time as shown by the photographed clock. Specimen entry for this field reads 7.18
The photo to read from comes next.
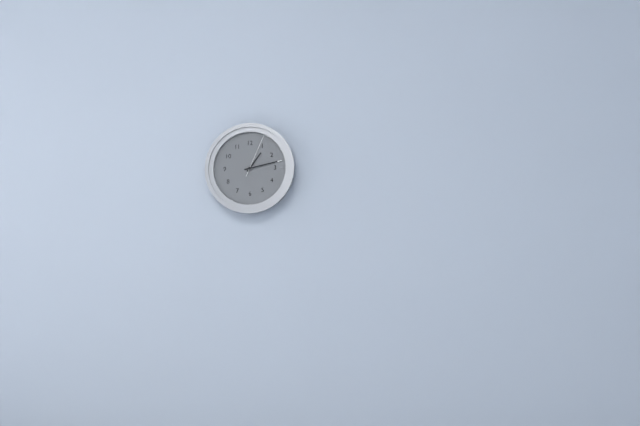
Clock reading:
1.13
